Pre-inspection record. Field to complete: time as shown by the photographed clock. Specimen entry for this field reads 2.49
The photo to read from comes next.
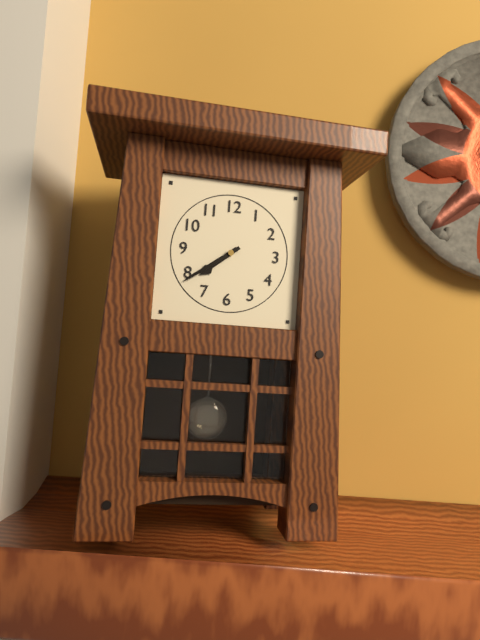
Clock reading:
7.39
